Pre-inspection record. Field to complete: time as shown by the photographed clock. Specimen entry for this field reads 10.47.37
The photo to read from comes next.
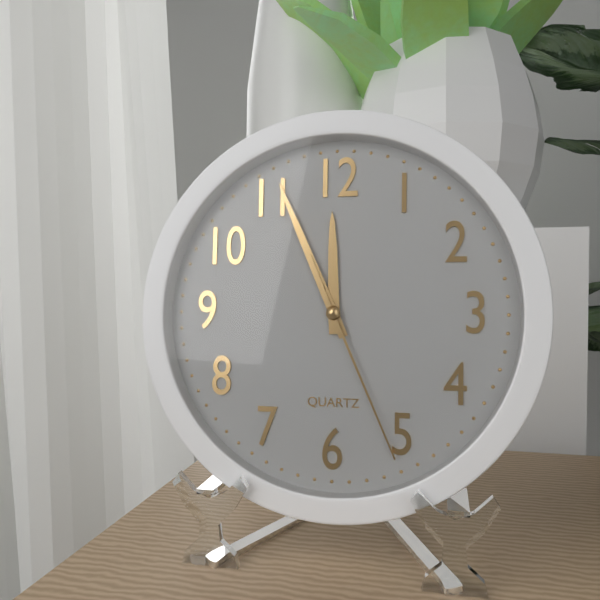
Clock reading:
11.56.26
